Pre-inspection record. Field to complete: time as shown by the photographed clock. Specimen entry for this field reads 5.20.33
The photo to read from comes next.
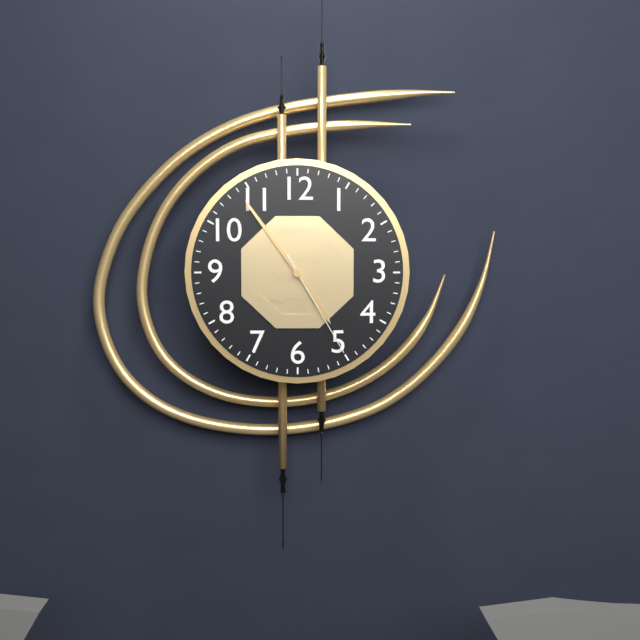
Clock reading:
4.54.25
